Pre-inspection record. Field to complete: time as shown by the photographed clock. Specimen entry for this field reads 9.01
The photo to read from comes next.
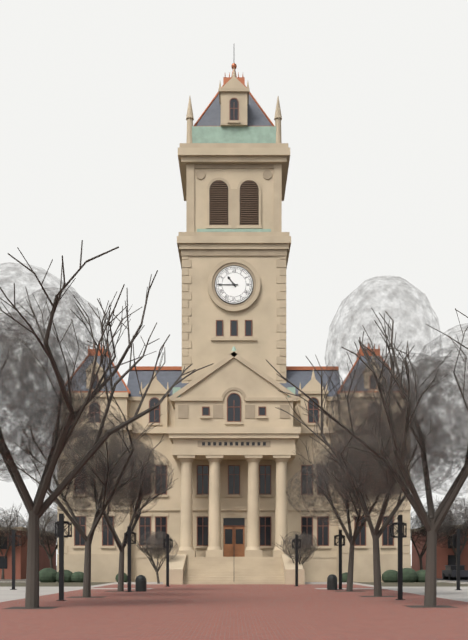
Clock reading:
10.45
